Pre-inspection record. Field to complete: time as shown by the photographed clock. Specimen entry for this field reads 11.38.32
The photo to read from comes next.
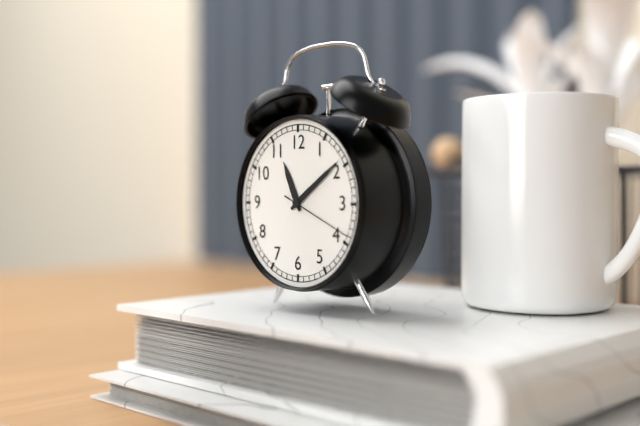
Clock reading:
11.09.19
